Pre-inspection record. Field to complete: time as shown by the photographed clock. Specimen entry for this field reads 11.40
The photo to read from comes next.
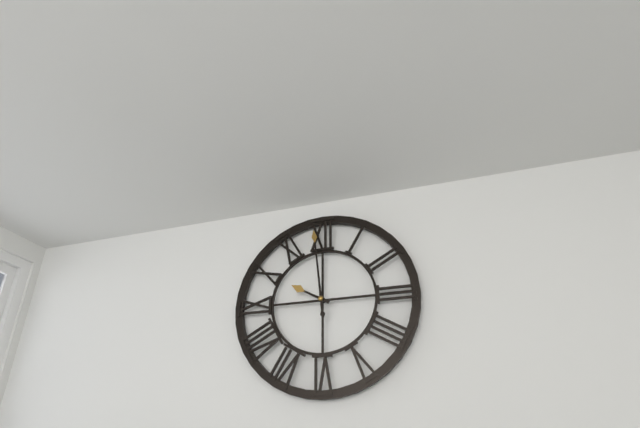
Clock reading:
9.59
